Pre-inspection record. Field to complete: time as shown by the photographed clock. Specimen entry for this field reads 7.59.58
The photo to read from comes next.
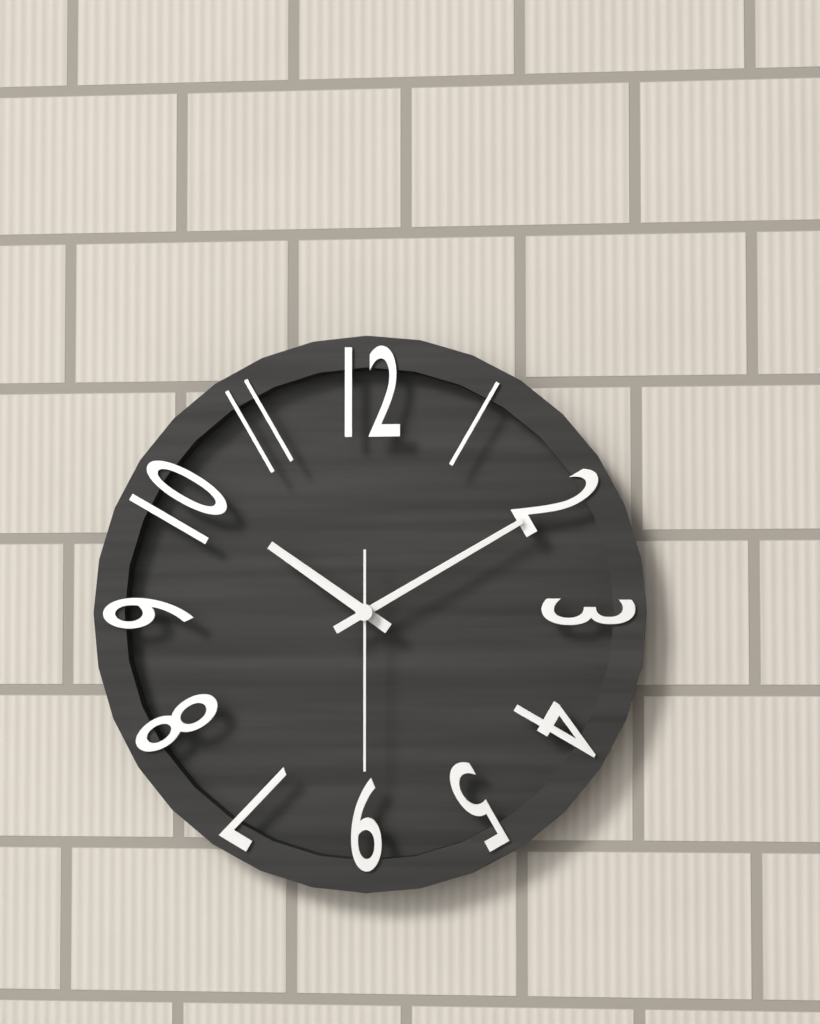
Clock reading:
10.10.30
